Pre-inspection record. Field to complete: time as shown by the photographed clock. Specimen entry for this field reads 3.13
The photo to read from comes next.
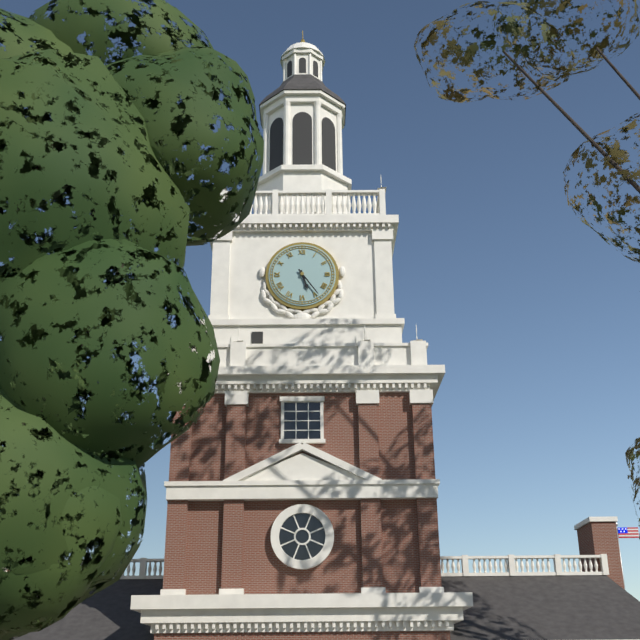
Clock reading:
5.24
